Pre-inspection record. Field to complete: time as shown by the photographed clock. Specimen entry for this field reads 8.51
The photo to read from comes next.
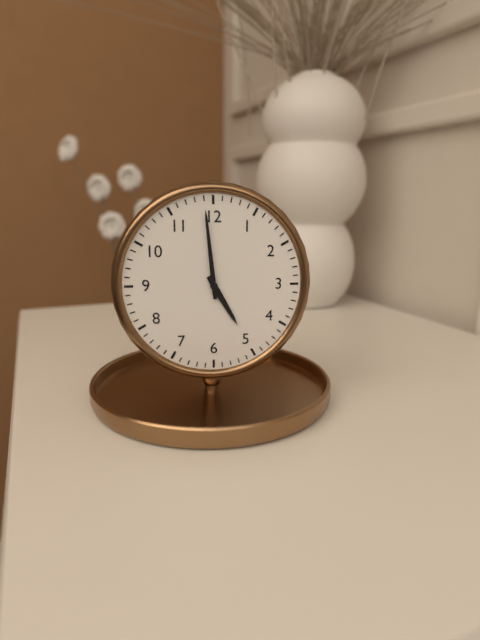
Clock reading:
4.59
